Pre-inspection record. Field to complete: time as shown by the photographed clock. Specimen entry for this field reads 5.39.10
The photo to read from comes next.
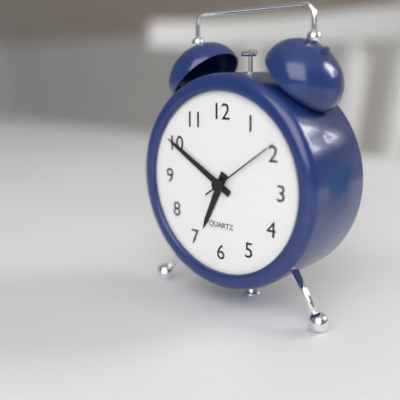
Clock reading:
6.50.09
